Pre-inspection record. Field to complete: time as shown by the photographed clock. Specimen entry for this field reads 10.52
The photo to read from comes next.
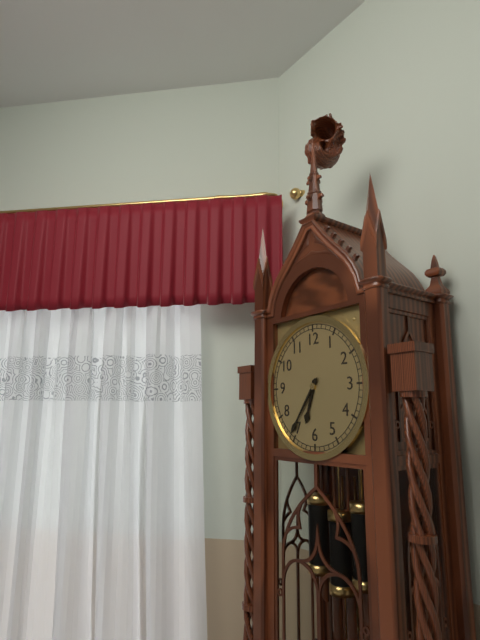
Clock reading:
6.36
